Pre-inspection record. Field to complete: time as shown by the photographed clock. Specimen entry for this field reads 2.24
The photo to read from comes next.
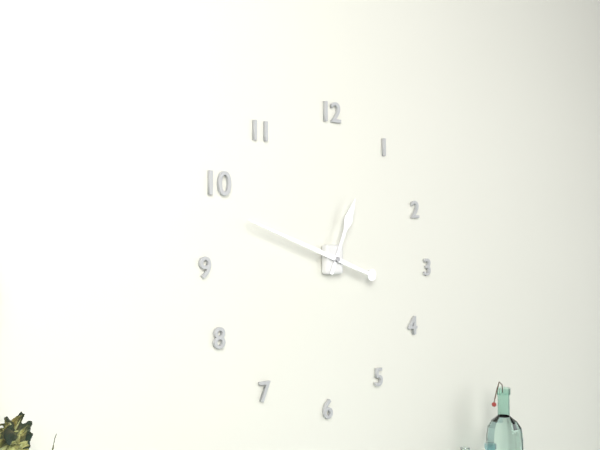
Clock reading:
12.48
